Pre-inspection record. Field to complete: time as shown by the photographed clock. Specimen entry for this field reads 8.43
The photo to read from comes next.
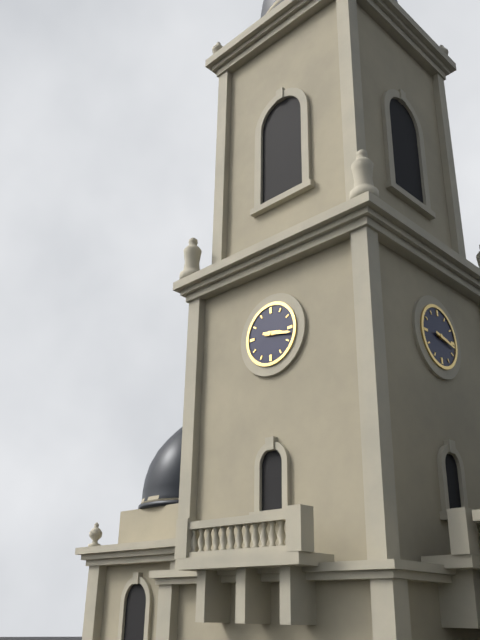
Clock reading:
3.17
